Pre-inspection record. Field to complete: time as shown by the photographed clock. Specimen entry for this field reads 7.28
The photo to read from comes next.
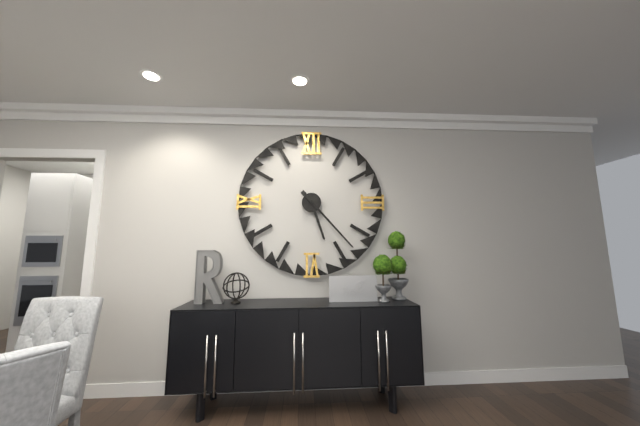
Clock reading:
5.23
